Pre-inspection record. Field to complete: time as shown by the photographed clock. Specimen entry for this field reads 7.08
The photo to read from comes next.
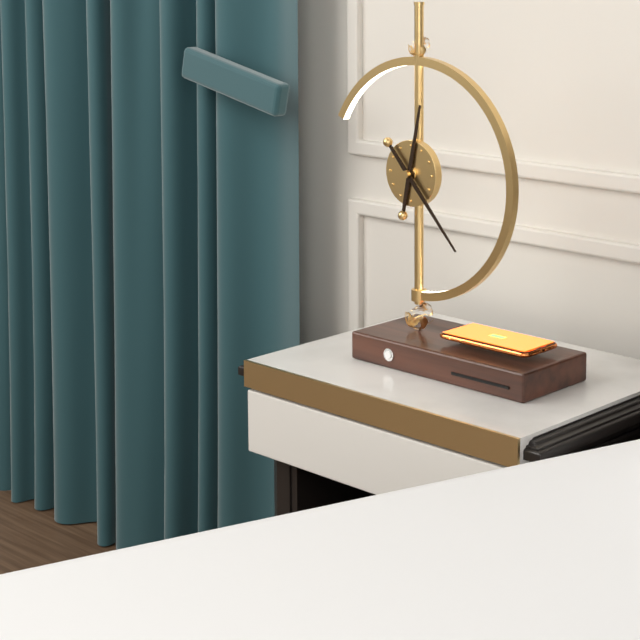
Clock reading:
12.23
